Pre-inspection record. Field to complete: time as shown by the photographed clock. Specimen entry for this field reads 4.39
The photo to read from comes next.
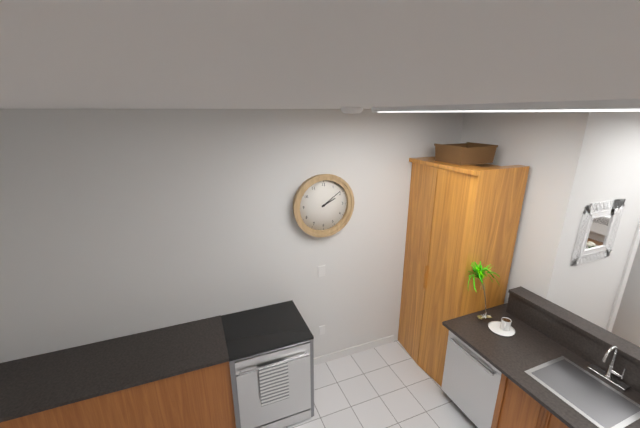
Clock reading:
2.09
